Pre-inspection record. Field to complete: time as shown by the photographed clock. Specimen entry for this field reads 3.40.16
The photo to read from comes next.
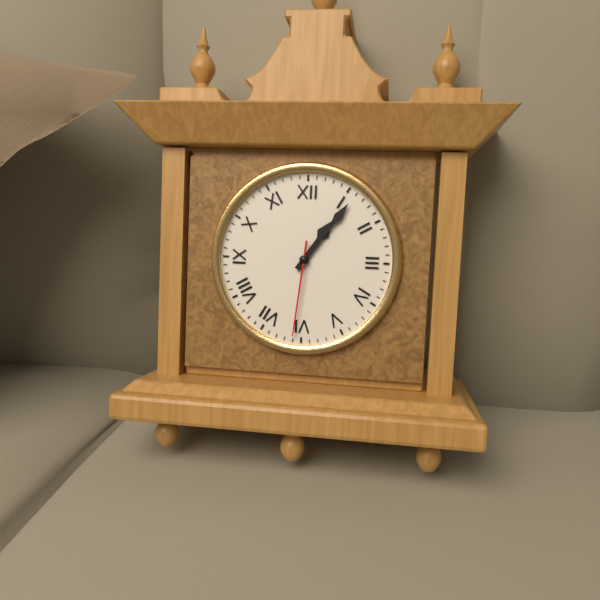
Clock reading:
1.06.31
